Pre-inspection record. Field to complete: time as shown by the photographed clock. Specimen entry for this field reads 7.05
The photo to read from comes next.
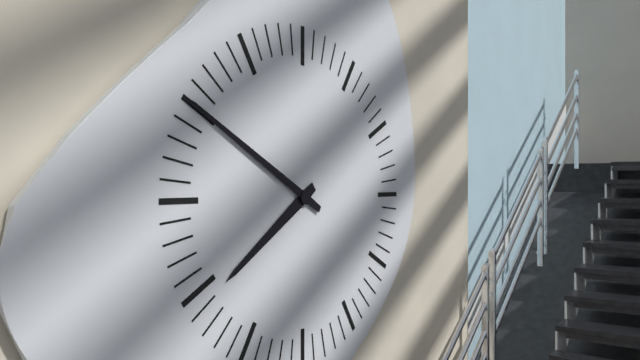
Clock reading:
7.50
